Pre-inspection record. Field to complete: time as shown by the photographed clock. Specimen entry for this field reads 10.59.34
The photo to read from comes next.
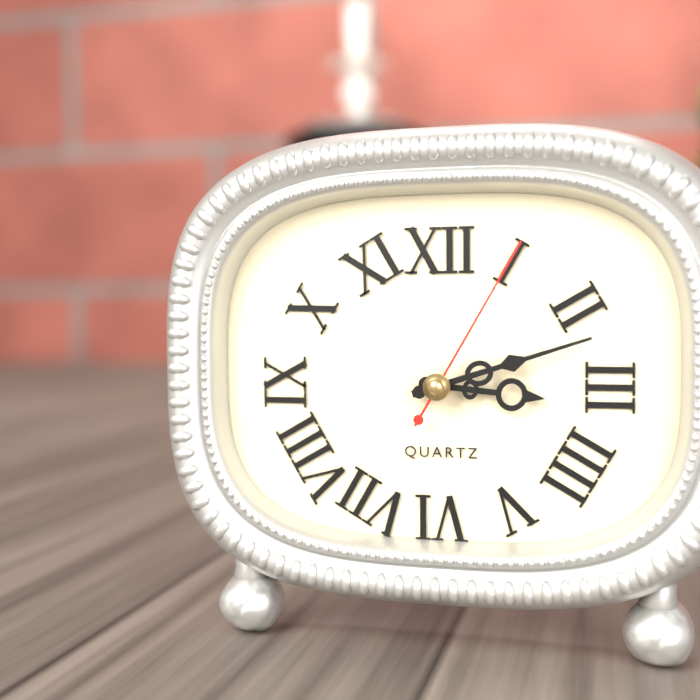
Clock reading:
3.12.05
